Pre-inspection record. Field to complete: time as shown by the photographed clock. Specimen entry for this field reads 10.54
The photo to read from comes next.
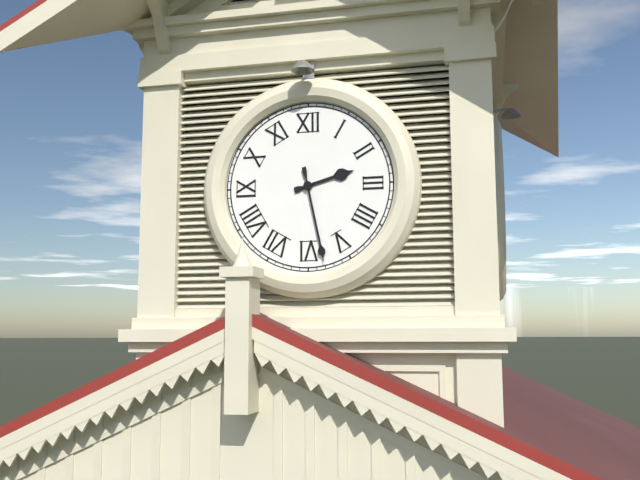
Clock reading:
2.28
